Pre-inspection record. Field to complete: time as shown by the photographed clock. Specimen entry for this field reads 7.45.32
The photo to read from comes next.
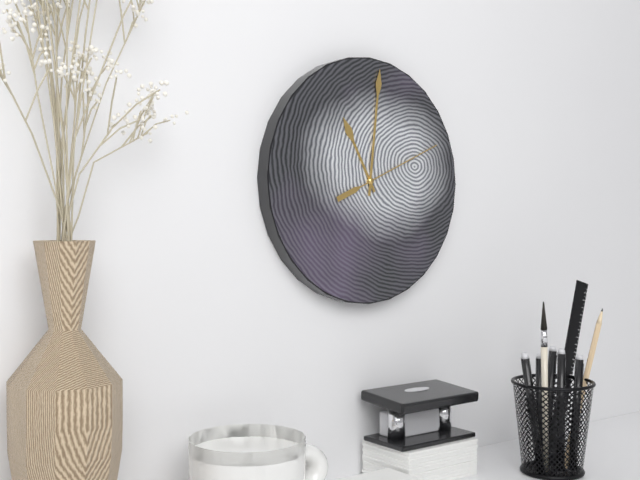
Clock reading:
11.01.11
